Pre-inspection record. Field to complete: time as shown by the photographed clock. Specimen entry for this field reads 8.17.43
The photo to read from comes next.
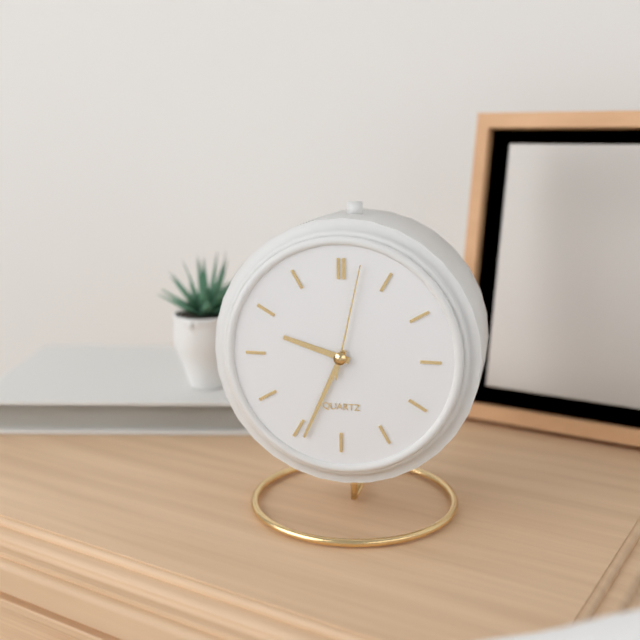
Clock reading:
9.34.02
